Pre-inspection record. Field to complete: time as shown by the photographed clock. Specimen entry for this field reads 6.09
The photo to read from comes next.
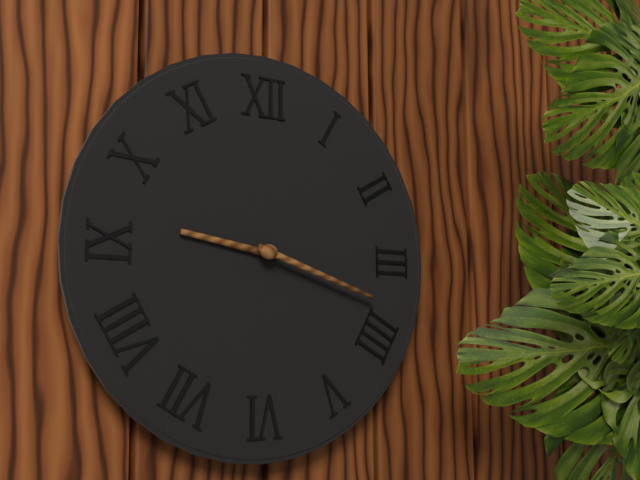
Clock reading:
9.18
